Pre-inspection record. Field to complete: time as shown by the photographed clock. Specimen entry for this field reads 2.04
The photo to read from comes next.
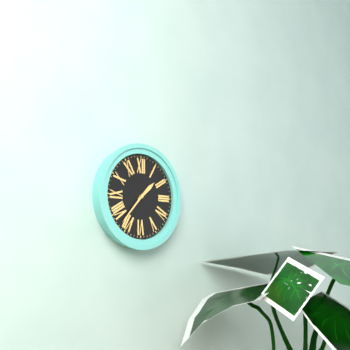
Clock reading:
1.37
